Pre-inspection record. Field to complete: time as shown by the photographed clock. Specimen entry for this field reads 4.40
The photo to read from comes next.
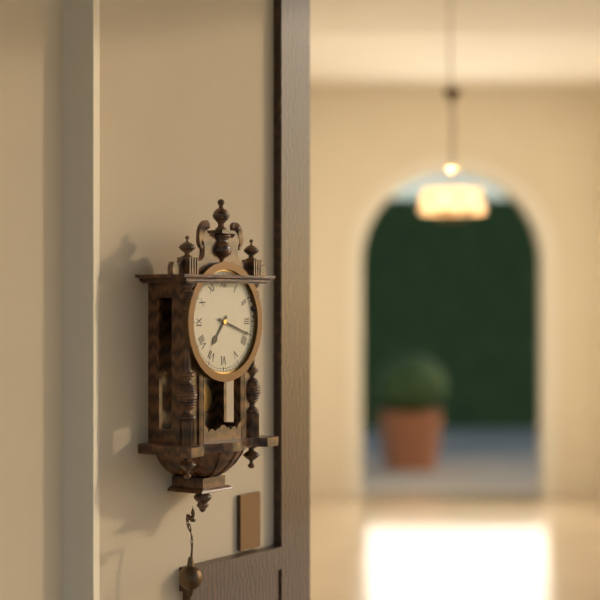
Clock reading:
7.18
